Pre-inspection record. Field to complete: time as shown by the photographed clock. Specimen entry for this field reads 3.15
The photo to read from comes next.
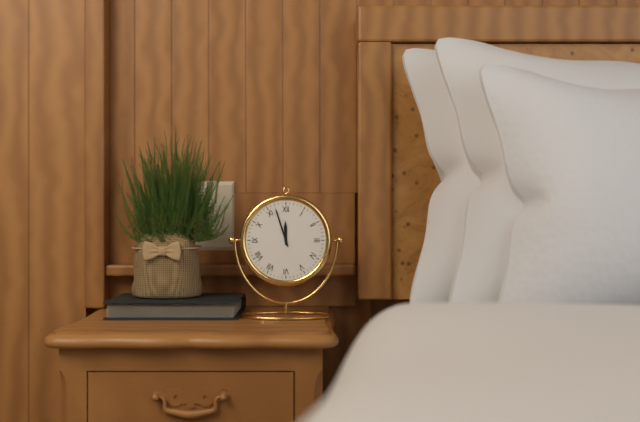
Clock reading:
11.57
